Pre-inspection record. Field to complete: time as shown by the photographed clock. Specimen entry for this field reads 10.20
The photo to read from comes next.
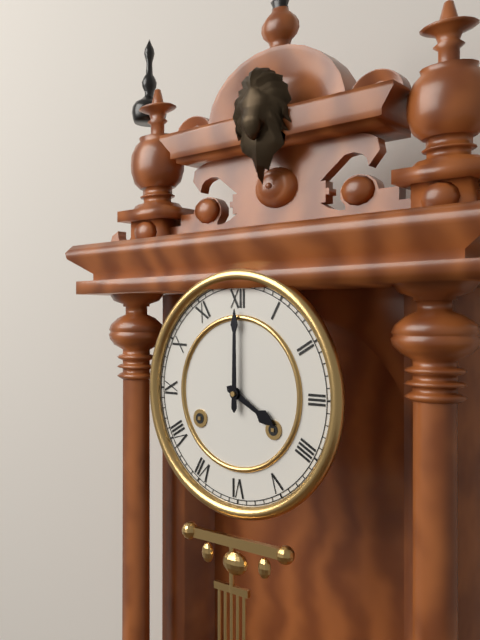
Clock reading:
4.00
